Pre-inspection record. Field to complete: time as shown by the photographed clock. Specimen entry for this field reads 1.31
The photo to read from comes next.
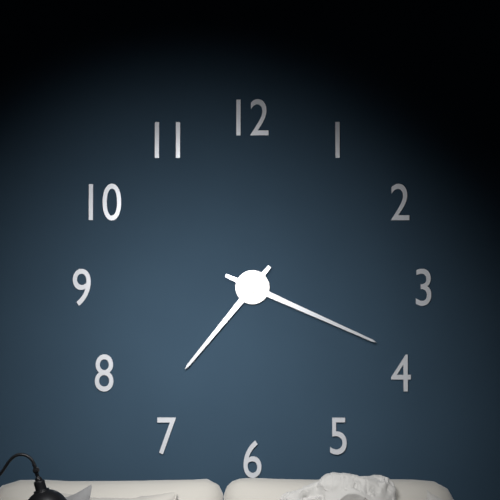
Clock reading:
7.19
